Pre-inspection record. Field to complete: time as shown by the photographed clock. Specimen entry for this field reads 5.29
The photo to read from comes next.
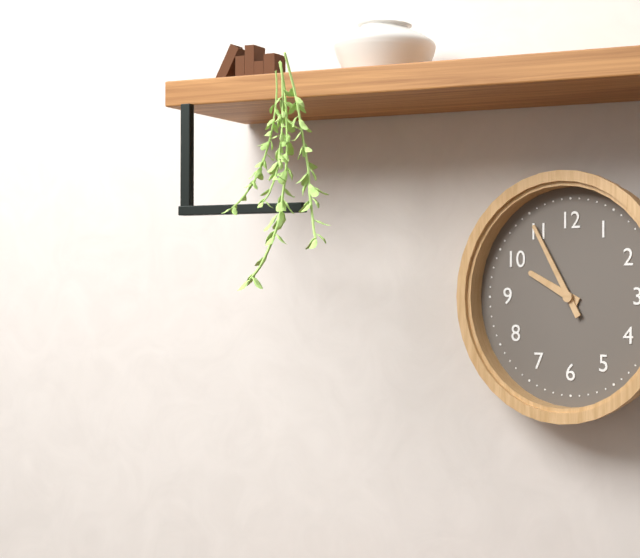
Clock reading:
9.55
